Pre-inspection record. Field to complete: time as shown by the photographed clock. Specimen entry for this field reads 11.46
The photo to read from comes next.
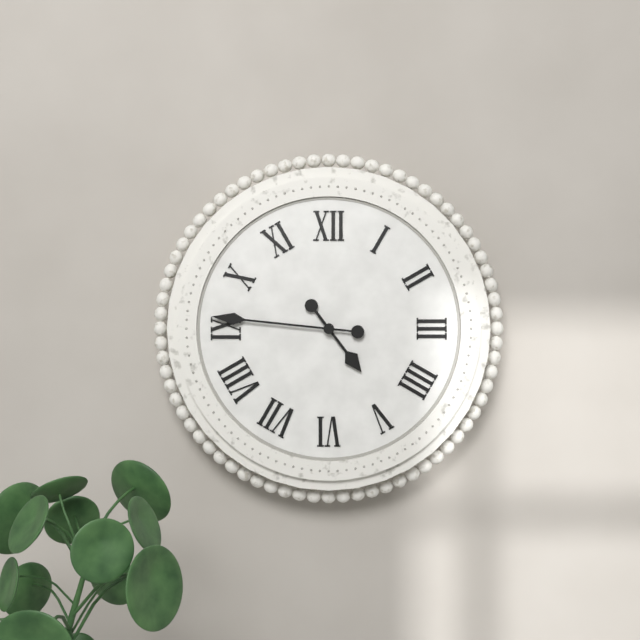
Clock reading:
4.46
